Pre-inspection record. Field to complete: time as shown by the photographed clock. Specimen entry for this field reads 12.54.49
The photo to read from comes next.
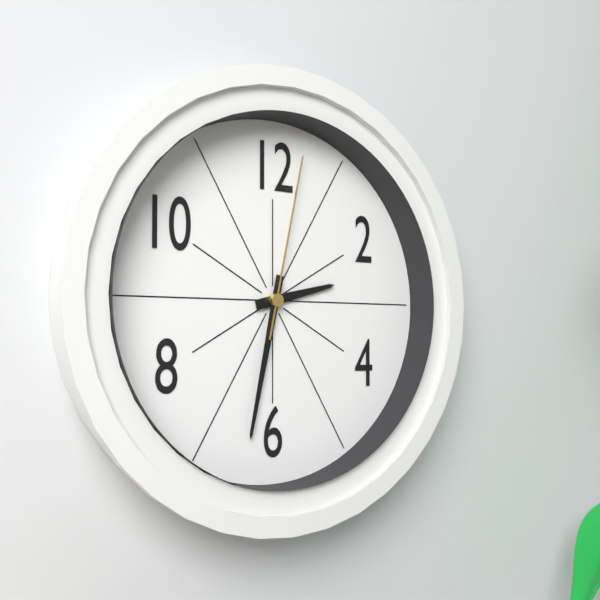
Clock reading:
2.32.02
